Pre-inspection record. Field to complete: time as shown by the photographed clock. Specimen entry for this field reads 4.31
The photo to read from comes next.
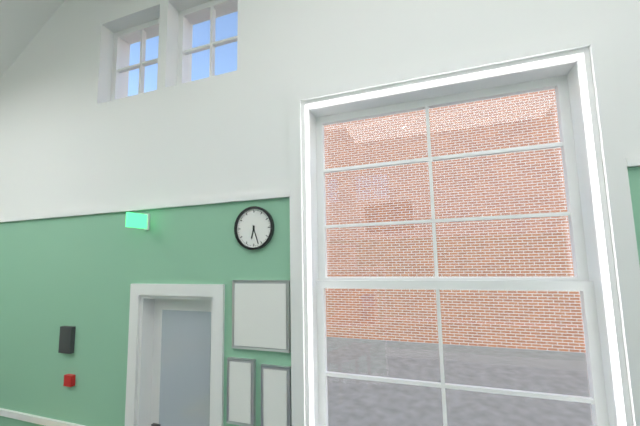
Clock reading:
6.27
